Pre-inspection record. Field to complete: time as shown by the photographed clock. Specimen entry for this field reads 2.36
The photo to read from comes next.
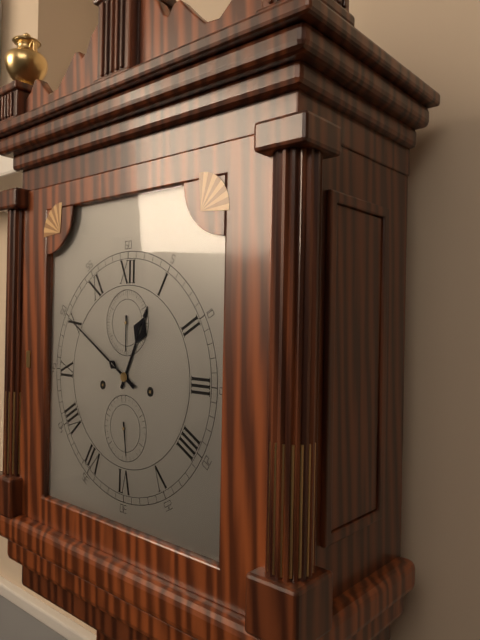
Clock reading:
12.50
